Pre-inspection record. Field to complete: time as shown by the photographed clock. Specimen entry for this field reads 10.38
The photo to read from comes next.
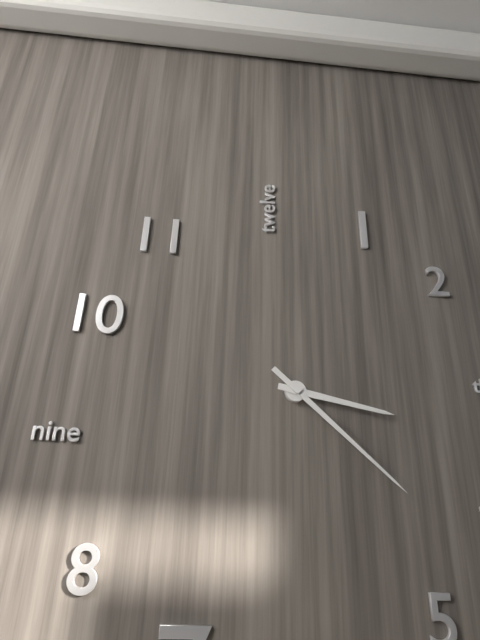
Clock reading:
3.22
